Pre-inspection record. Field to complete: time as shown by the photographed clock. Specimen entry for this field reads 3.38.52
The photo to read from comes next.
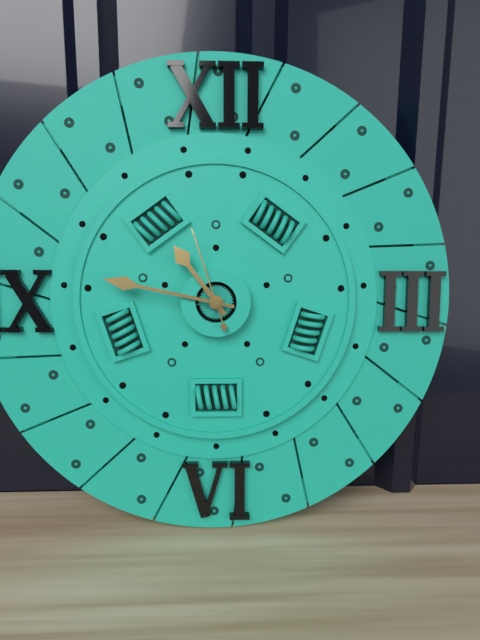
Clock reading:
10.47.57
